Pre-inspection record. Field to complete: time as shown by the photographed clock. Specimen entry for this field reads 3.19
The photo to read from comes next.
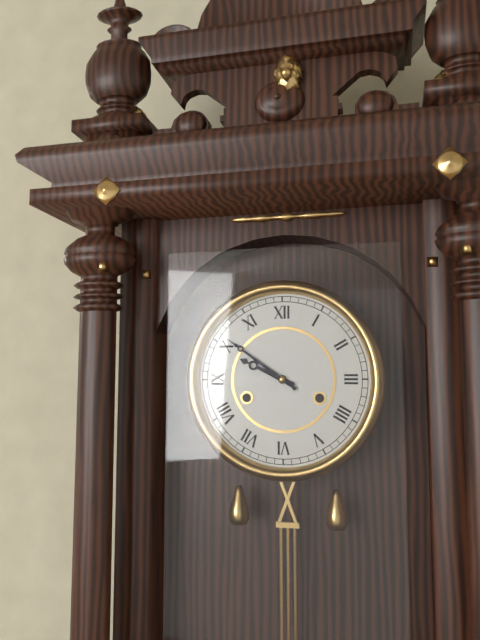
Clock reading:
9.51
